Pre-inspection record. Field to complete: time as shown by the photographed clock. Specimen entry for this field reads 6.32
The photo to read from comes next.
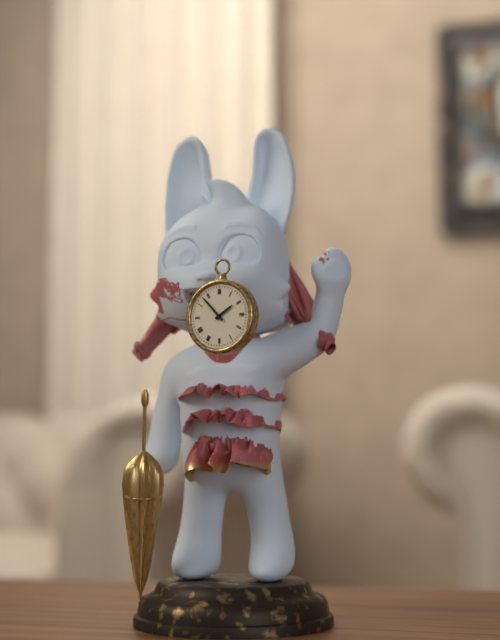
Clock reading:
1.53
